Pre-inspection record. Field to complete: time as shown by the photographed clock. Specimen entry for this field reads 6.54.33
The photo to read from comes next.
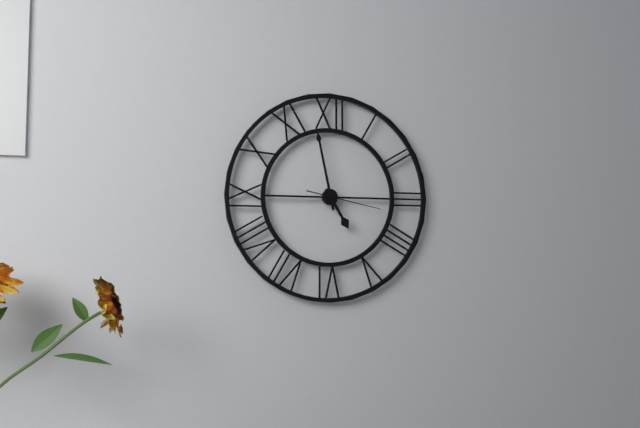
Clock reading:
4.58.17
